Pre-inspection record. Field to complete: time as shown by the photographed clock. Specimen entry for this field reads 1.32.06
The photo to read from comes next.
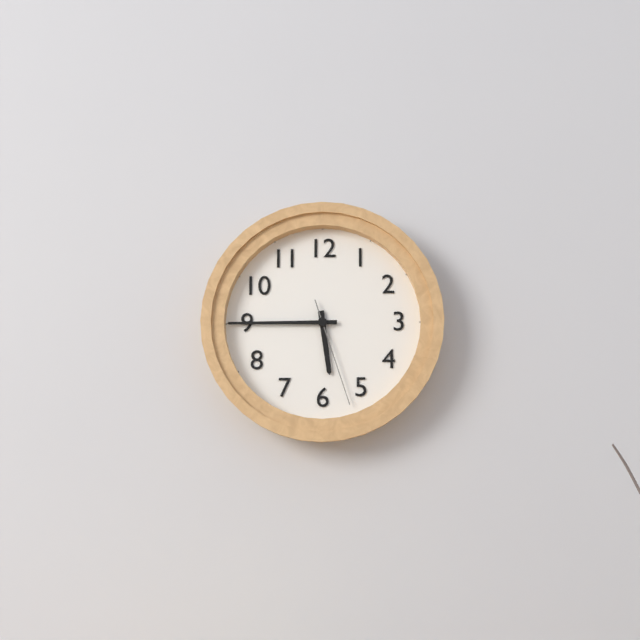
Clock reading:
5.45.27
